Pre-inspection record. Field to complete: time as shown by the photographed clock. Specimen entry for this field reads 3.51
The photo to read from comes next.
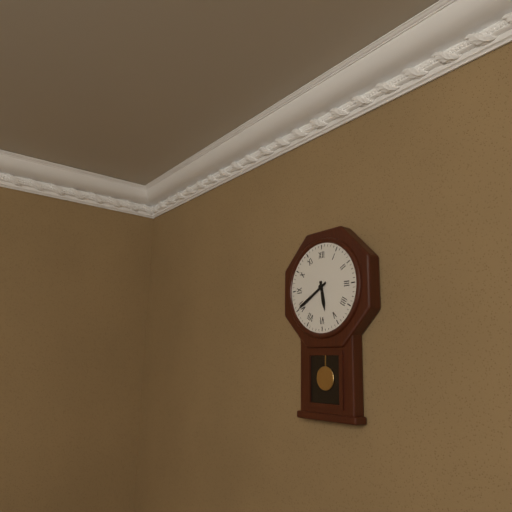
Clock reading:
5.40
